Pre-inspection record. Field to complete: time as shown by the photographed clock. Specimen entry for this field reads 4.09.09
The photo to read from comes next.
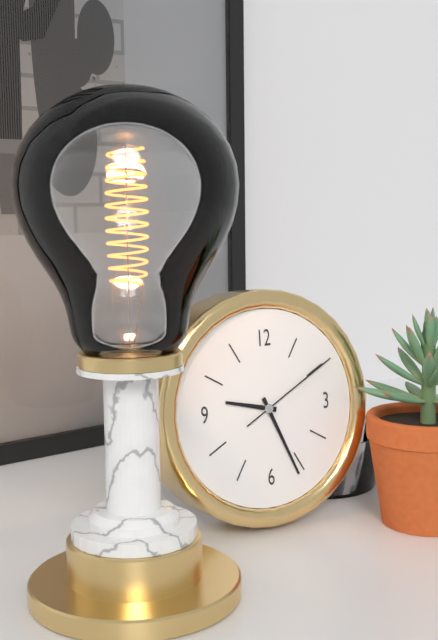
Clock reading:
9.26.10
